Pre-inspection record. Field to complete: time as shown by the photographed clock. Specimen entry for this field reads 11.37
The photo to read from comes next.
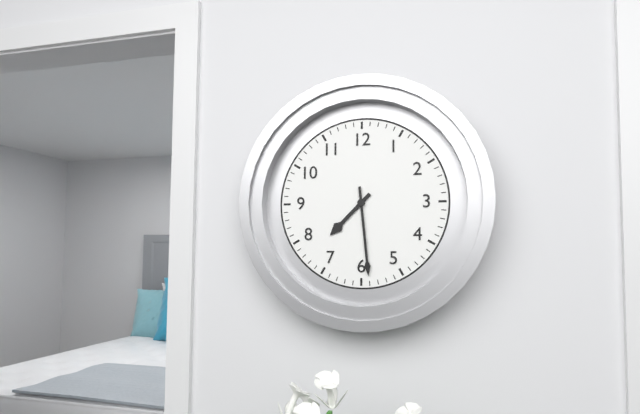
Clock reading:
7.29
